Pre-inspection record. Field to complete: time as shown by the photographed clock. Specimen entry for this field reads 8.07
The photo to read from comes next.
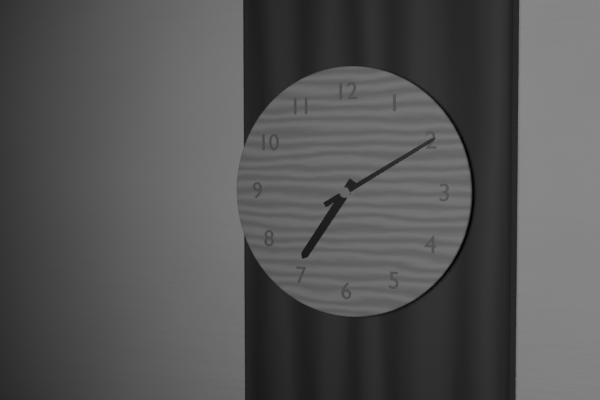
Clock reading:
7.10
